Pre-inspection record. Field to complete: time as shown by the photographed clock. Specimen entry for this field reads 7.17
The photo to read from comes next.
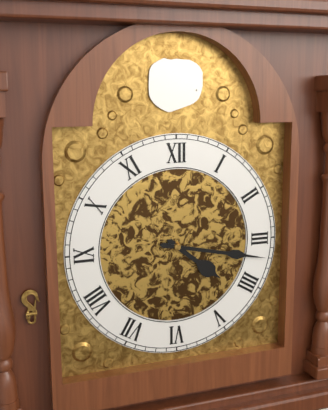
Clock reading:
4.17
